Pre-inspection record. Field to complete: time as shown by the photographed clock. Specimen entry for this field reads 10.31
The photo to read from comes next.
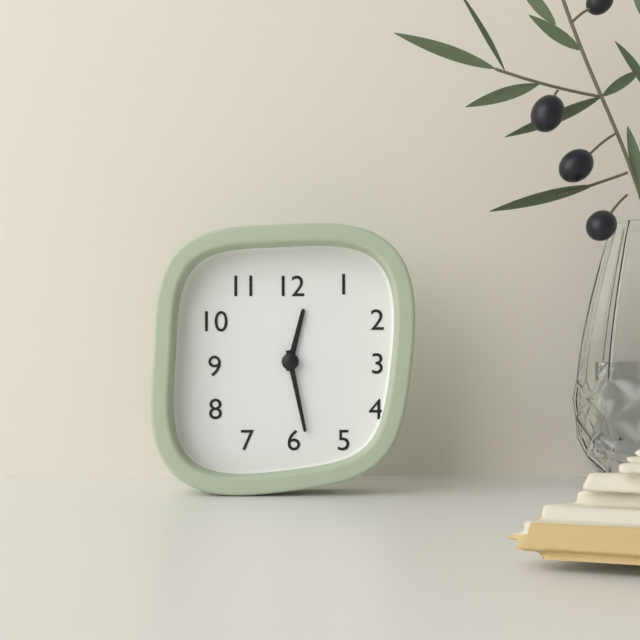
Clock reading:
12.28
